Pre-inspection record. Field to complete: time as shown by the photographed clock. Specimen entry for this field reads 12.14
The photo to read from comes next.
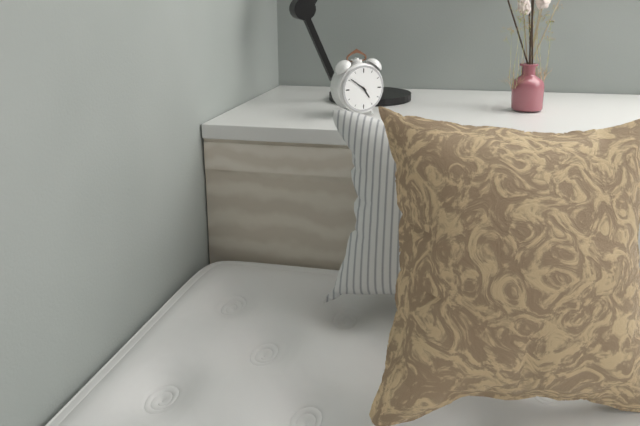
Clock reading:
4.51
